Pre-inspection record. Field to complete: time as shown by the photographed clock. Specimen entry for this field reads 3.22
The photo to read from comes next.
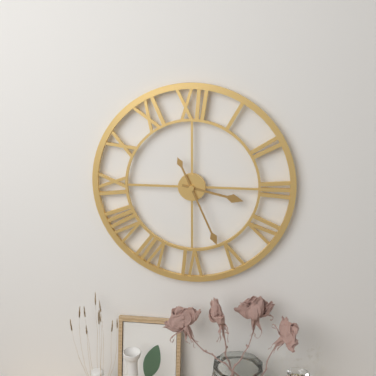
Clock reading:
3.26
